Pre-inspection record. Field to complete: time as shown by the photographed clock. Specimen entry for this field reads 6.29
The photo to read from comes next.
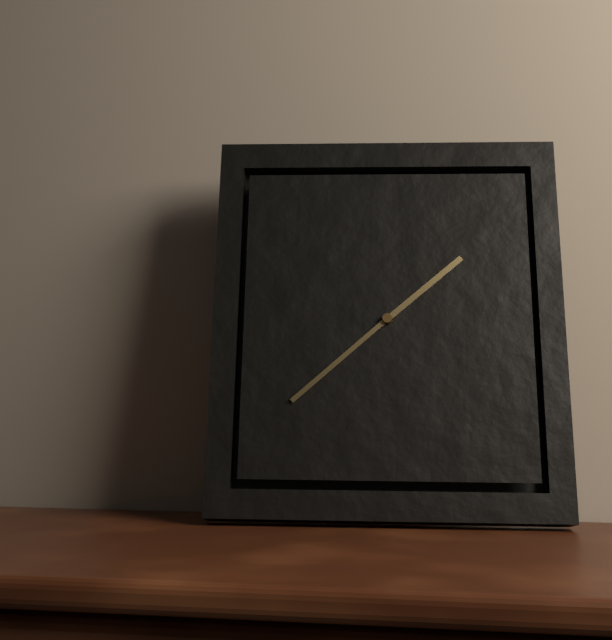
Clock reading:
1.38
